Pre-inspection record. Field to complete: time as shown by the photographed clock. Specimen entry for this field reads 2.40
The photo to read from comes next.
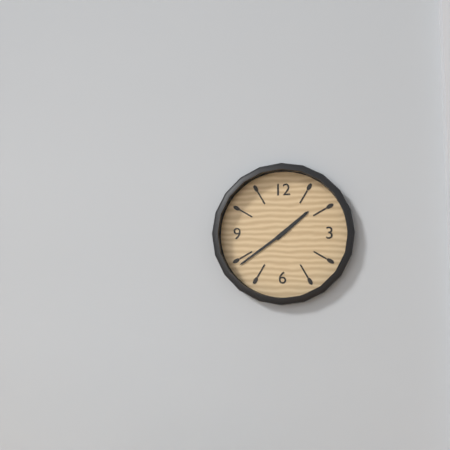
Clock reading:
1.39
